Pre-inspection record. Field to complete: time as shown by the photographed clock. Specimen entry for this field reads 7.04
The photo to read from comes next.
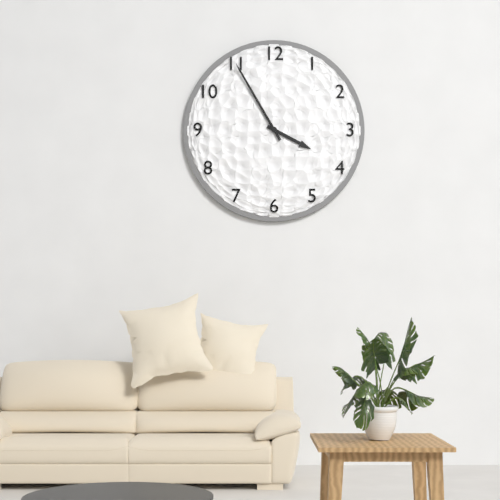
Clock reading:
3.55
